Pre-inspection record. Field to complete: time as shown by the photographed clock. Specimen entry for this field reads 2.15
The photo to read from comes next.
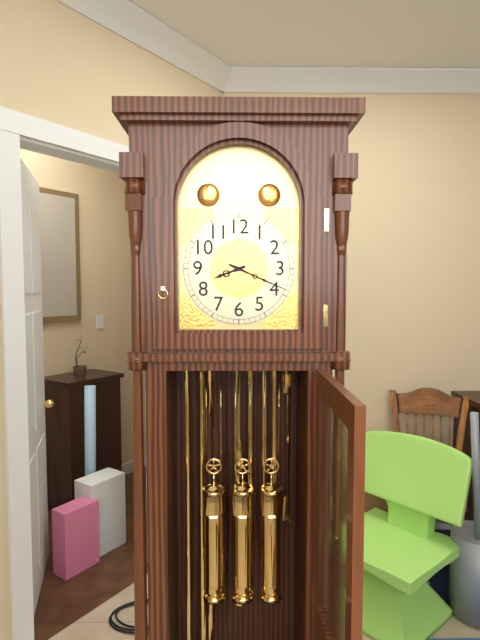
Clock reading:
8.19
